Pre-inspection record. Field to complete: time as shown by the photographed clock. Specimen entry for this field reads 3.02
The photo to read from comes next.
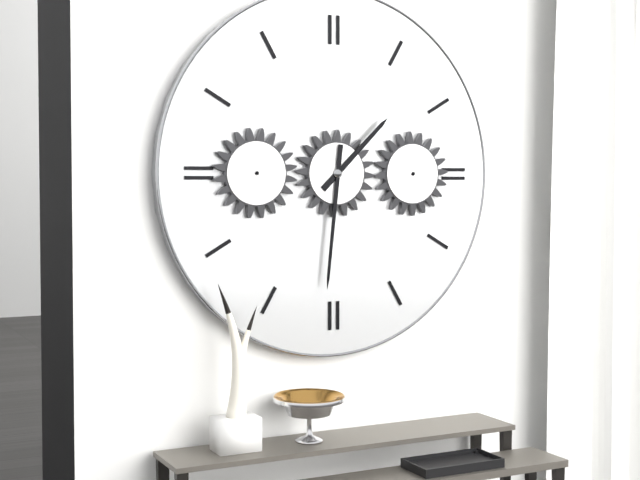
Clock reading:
1.31
